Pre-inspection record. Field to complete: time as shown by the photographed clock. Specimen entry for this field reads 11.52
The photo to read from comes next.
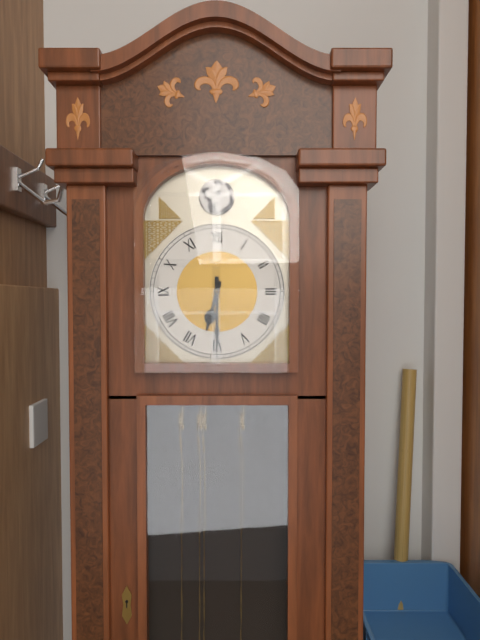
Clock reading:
6.30
